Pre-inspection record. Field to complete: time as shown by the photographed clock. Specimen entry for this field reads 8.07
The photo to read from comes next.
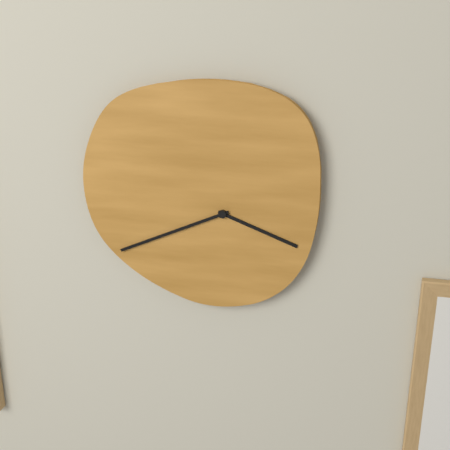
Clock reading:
3.41
